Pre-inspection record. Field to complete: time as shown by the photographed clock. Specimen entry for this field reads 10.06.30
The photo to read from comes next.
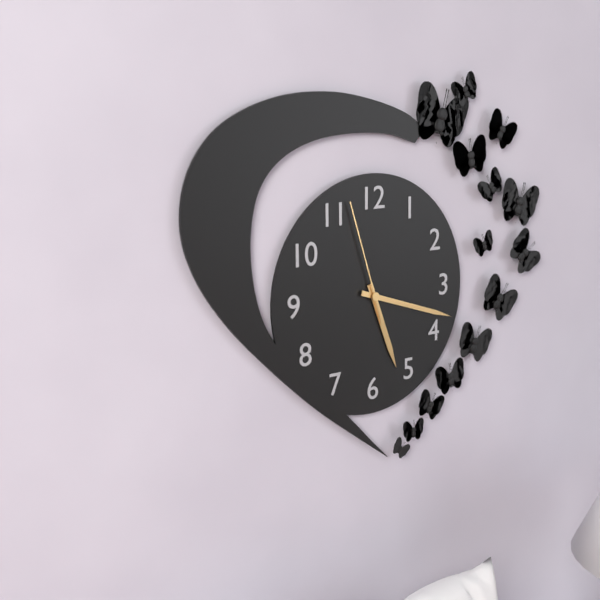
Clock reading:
5.18.57
